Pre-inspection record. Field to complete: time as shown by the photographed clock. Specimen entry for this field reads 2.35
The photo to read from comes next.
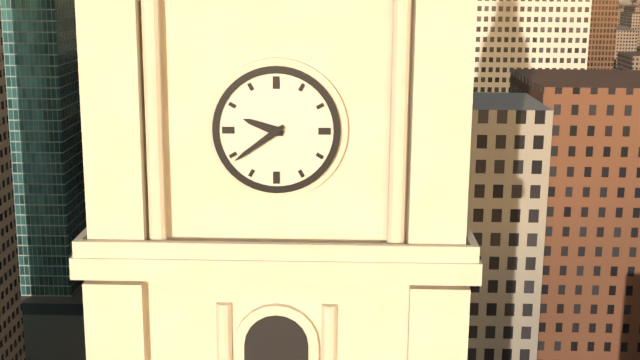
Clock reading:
9.39
